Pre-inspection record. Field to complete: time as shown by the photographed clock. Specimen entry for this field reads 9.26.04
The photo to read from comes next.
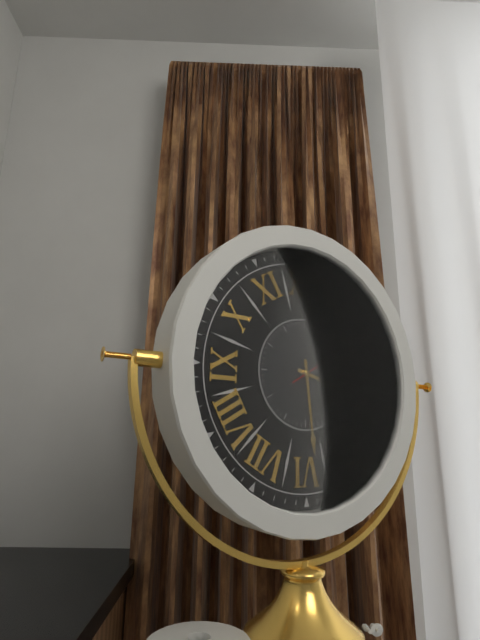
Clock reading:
3.29.10
